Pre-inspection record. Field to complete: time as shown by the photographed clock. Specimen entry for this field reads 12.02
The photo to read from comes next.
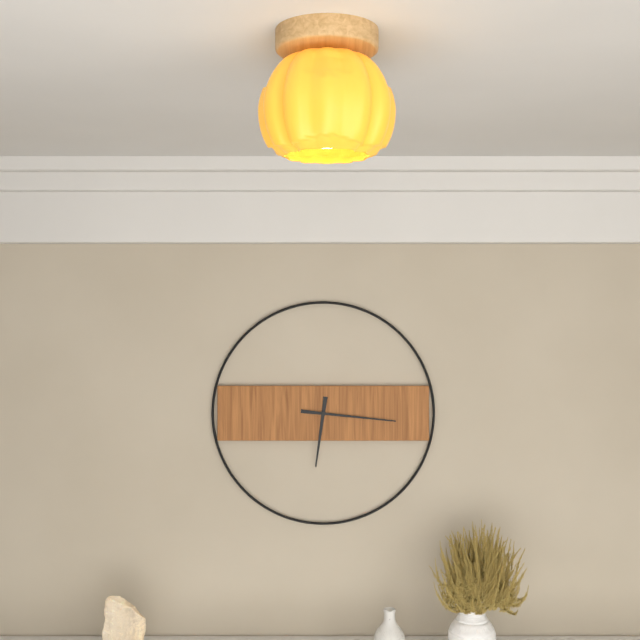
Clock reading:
6.16
